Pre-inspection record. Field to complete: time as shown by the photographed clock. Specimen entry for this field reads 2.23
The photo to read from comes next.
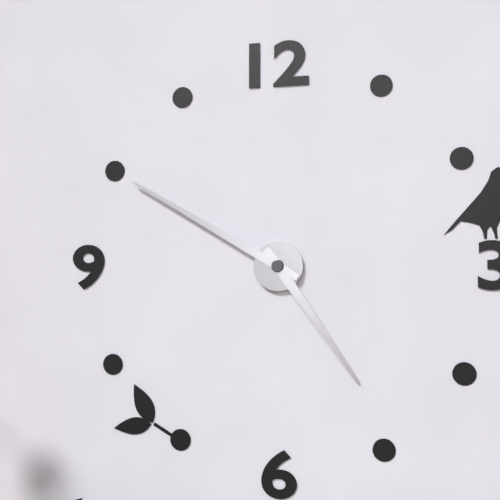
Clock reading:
4.50
